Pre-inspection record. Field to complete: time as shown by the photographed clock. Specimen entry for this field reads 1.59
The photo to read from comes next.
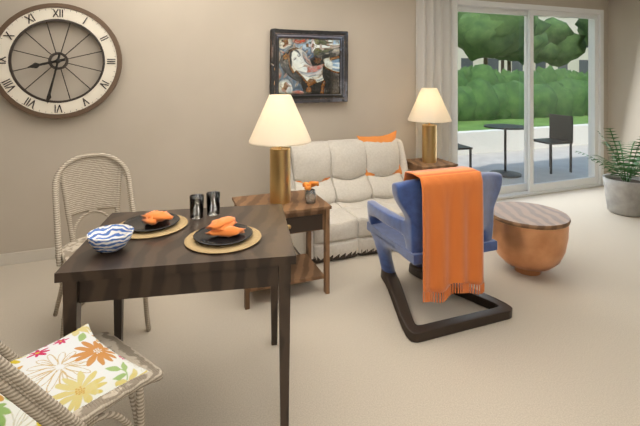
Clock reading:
8.32
